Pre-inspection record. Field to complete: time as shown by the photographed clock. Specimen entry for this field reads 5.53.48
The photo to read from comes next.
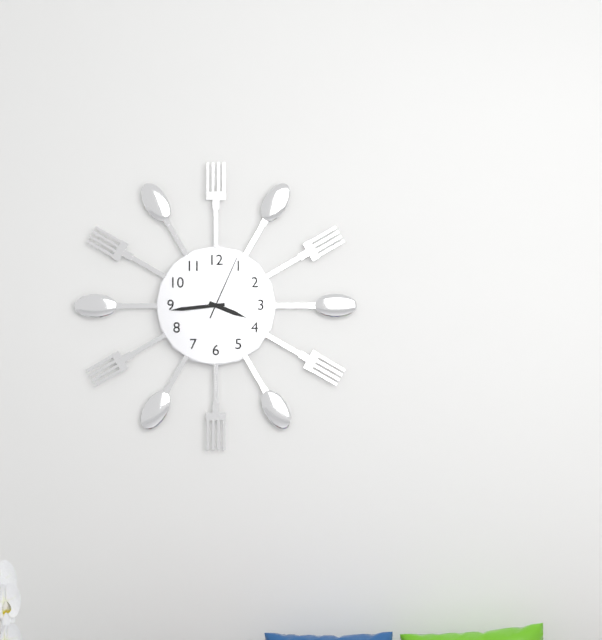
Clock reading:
3.44.04
